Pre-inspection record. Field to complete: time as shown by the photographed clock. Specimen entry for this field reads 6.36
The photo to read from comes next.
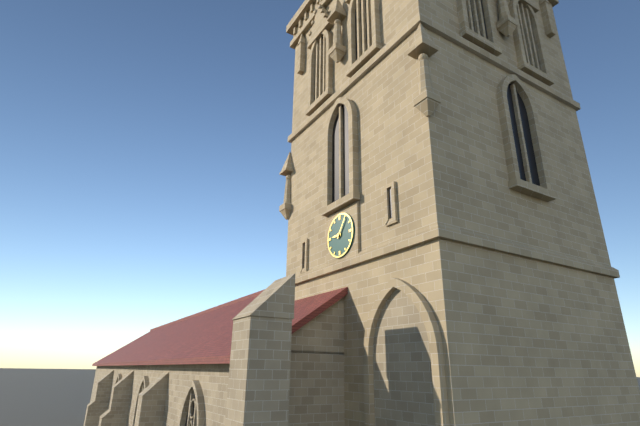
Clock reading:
9.06
